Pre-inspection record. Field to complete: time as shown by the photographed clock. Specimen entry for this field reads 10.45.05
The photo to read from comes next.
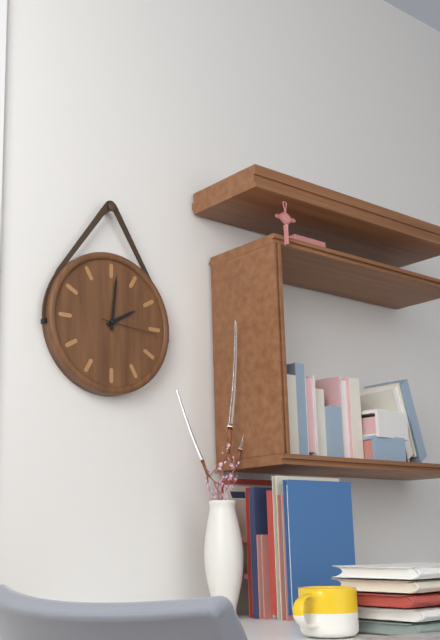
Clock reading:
2.01.16
